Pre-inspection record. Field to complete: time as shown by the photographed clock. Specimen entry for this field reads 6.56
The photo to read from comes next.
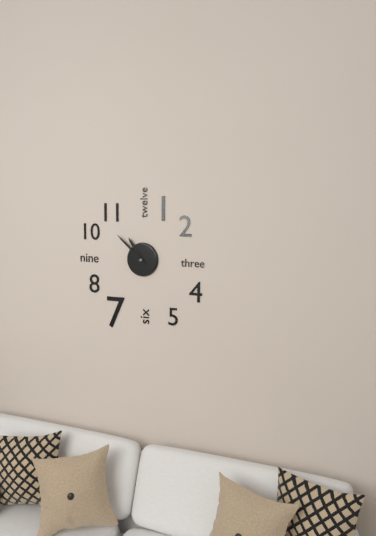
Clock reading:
10.52
